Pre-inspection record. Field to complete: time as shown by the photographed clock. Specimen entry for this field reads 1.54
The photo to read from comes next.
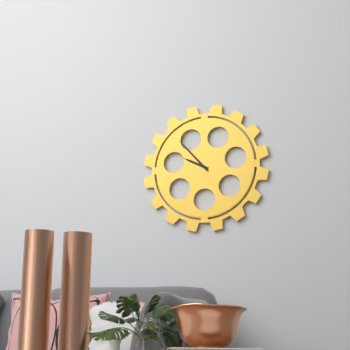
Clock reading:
9.53
